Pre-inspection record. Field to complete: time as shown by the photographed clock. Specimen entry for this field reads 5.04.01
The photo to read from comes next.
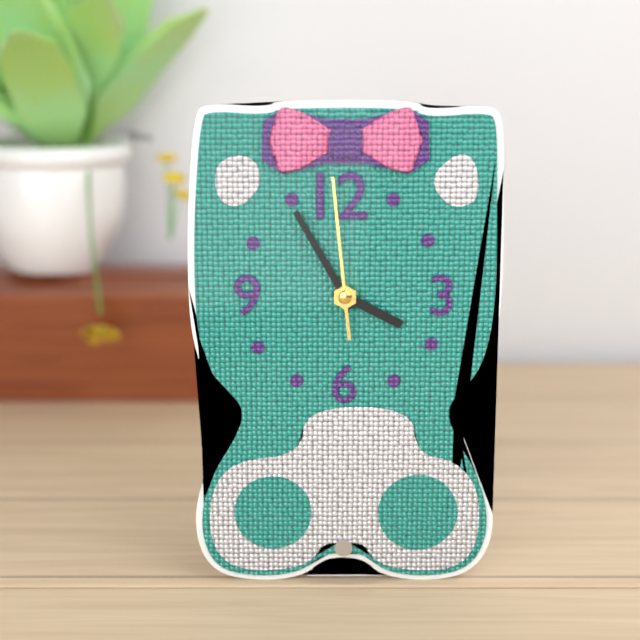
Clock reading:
3.55.59
